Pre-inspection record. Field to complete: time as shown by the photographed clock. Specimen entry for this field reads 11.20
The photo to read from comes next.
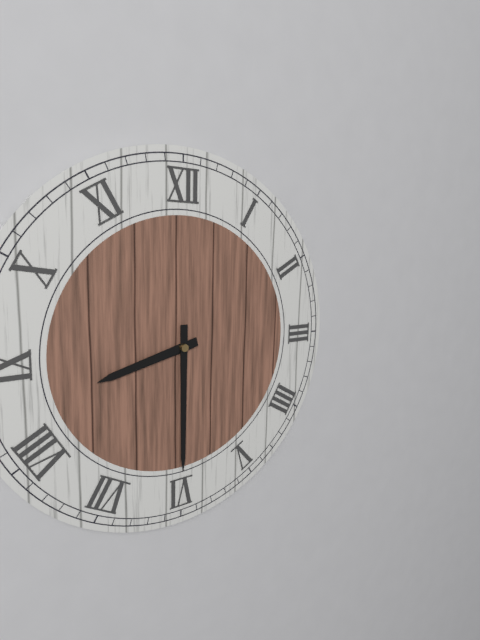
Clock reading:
8.30
